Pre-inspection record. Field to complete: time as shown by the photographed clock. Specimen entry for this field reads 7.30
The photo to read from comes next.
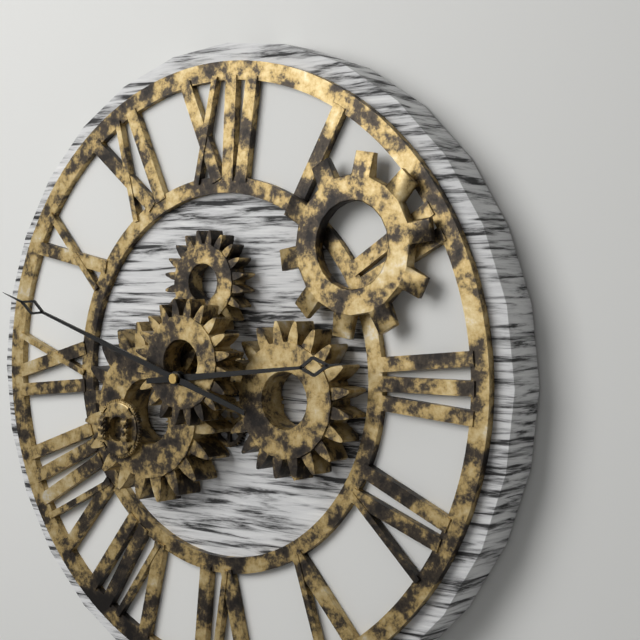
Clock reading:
2.48
